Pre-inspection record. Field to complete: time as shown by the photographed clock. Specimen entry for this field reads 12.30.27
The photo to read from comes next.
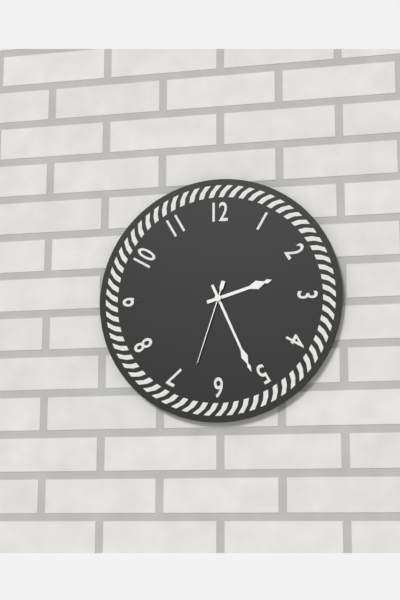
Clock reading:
2.26.33
